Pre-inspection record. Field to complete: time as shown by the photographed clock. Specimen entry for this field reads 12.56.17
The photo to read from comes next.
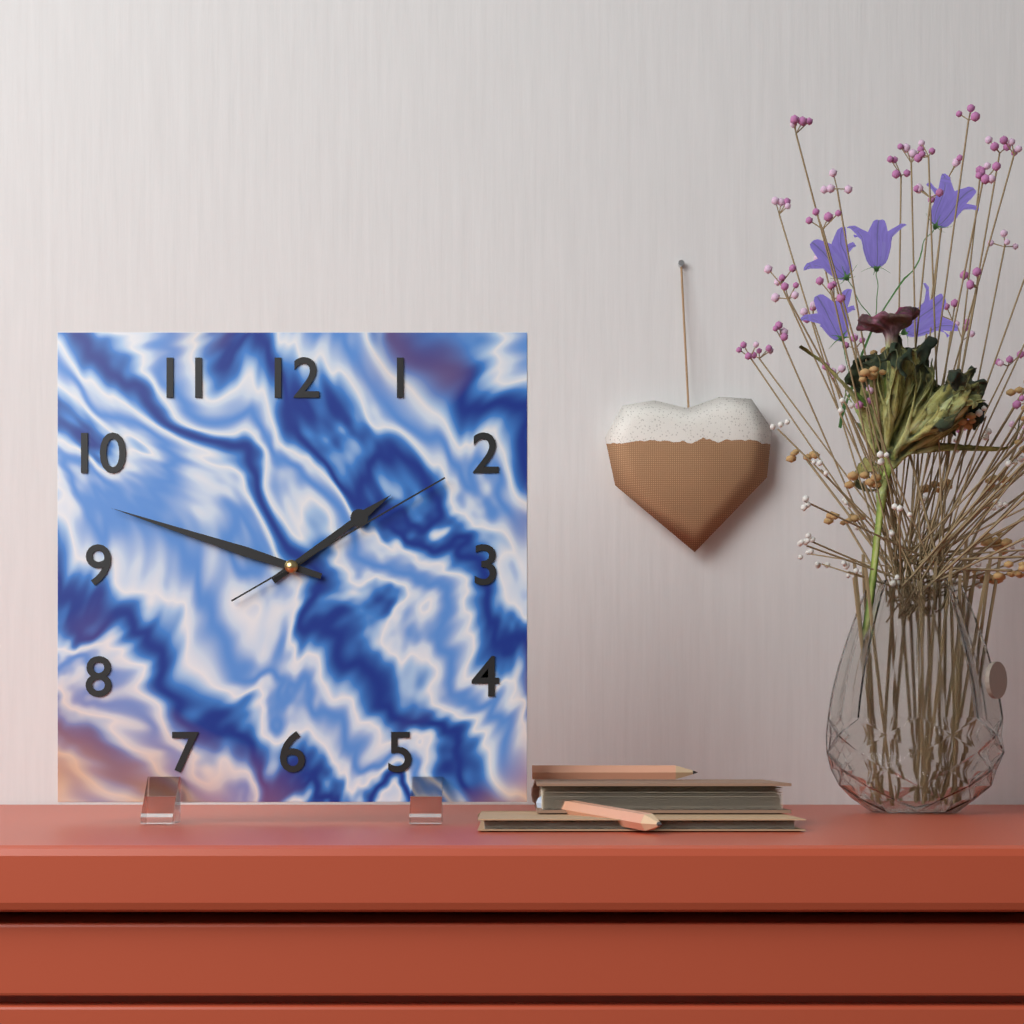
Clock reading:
1.48.10
